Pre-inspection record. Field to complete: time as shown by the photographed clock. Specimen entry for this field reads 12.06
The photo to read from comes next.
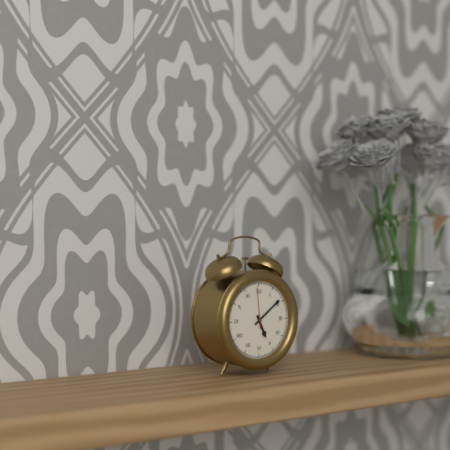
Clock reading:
5.09
